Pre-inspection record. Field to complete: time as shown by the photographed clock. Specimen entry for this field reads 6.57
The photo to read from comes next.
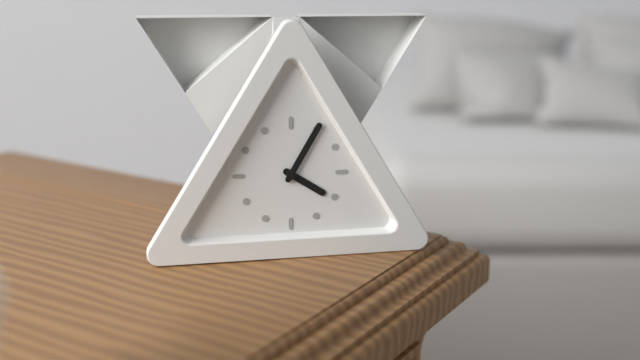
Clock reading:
4.05
